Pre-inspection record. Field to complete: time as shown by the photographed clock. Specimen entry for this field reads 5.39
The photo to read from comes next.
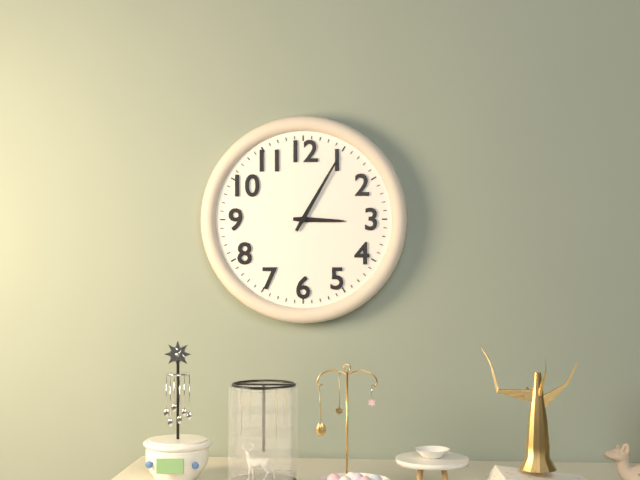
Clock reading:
3.05
